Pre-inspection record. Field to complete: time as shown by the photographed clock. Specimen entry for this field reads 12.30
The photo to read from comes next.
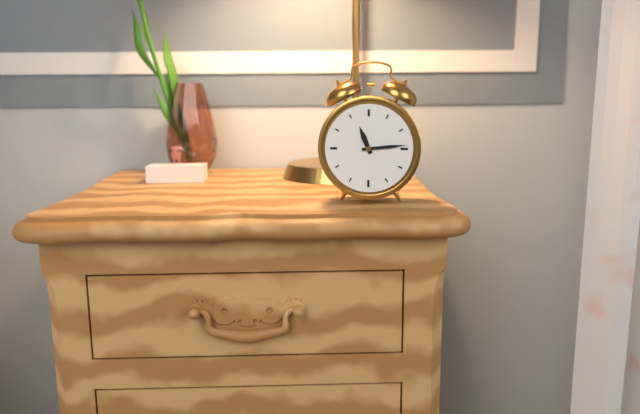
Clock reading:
11.14
